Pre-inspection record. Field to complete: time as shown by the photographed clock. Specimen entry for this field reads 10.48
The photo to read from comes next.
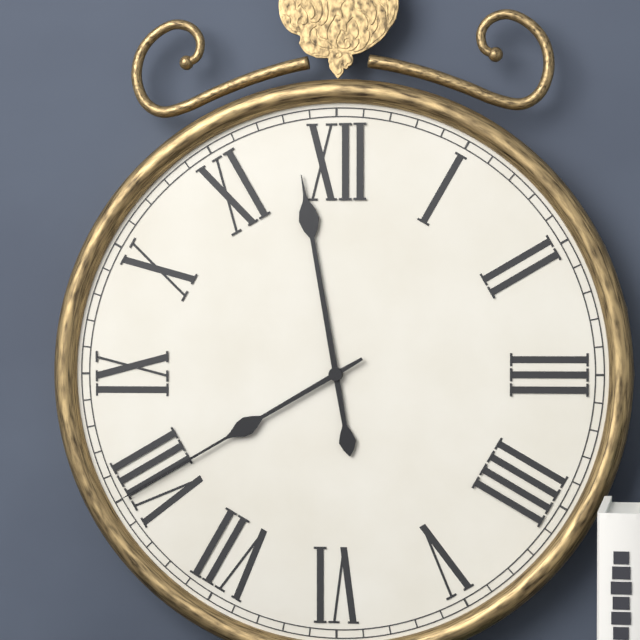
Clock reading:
11.40
